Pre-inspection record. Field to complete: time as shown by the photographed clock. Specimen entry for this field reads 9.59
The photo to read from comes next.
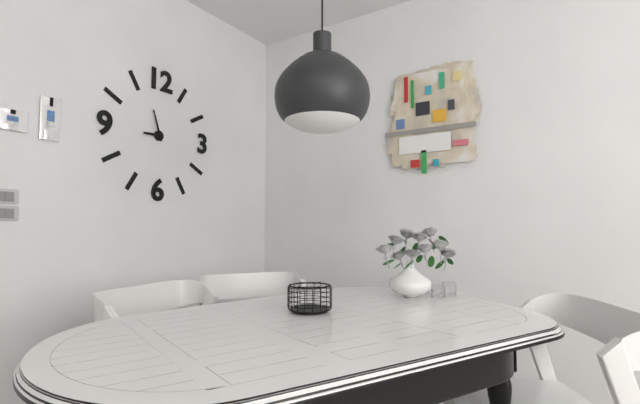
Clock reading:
8.57
